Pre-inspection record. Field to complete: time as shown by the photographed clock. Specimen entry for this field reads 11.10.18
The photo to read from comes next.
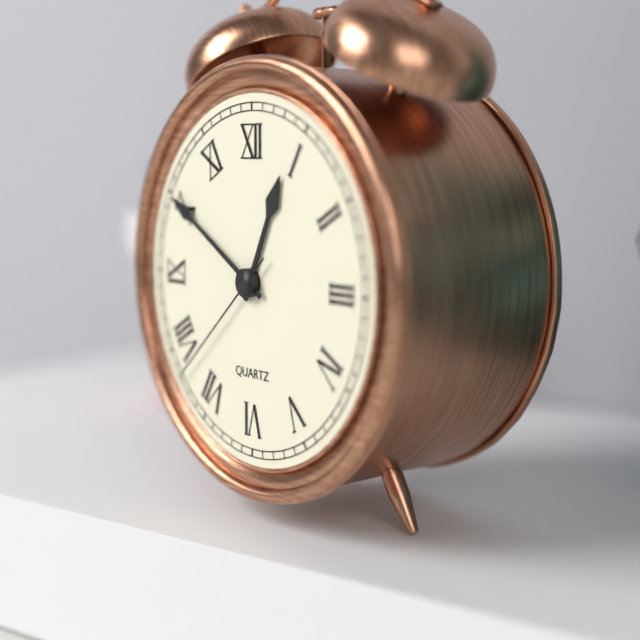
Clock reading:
12.50.38
